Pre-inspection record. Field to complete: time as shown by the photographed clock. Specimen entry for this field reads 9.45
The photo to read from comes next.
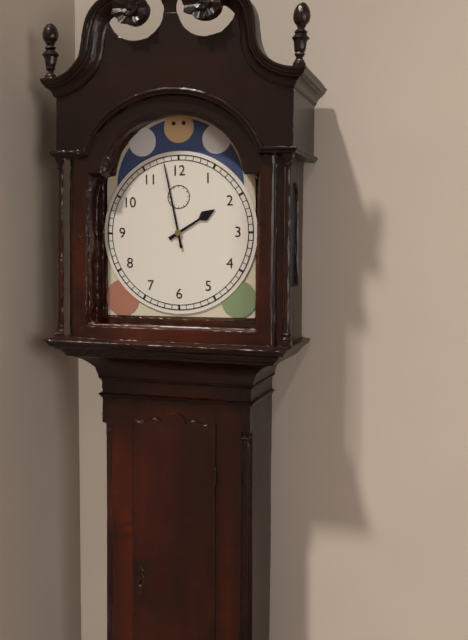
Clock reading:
1.58
